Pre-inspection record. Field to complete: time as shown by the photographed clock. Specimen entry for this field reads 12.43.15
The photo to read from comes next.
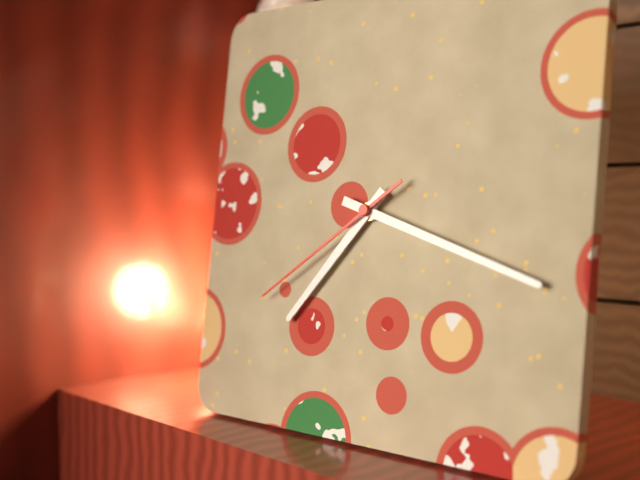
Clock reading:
7.18.39
